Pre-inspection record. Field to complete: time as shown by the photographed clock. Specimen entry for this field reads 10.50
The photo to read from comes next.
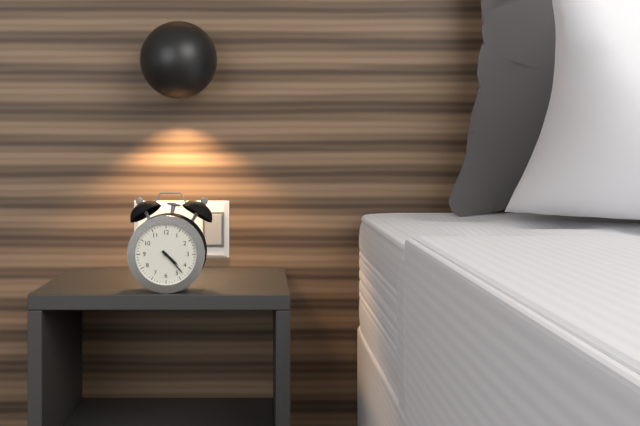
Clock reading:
4.23
